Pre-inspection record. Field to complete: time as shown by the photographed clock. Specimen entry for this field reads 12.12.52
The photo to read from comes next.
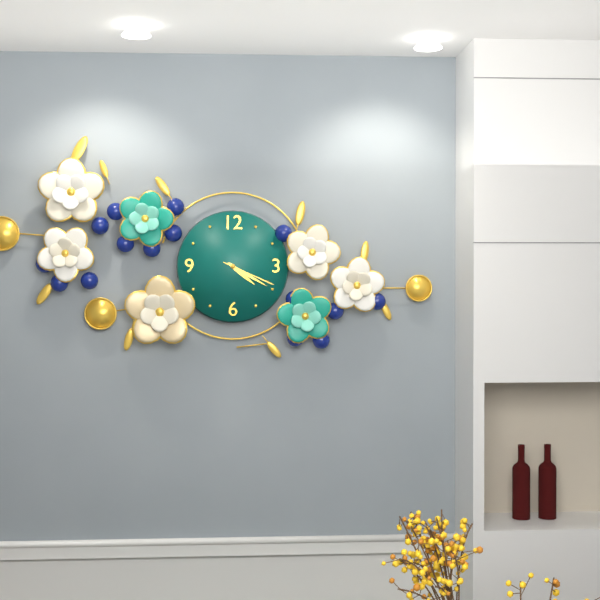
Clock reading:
4.20.19
